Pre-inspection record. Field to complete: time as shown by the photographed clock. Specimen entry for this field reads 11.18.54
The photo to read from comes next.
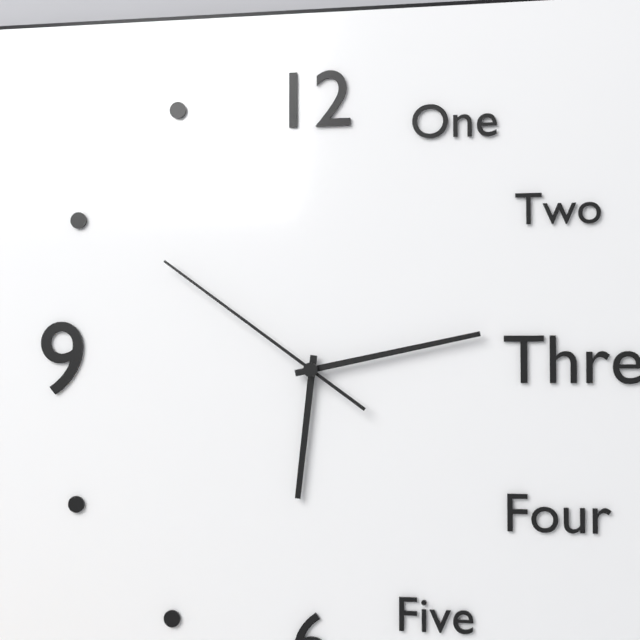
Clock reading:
6.13.51
